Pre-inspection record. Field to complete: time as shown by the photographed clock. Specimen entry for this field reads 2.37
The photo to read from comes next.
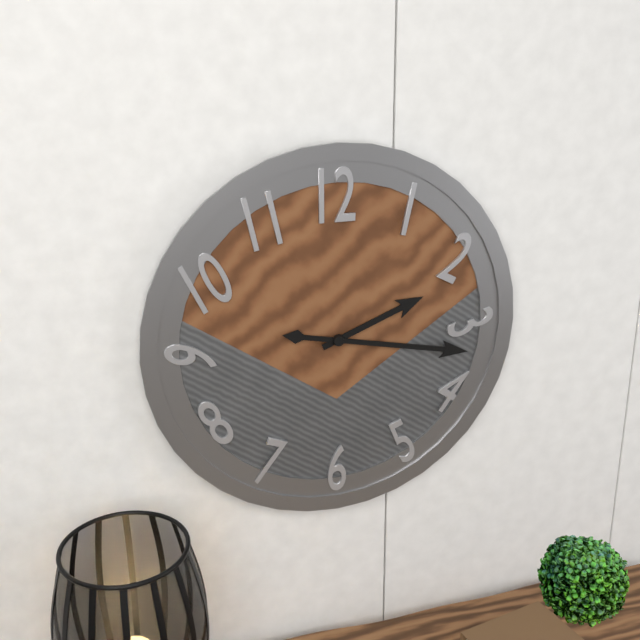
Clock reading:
2.17
